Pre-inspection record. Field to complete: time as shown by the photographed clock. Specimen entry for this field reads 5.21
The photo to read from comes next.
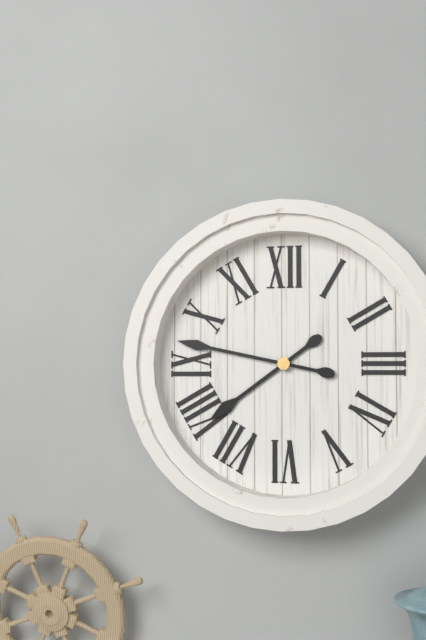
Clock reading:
7.47
